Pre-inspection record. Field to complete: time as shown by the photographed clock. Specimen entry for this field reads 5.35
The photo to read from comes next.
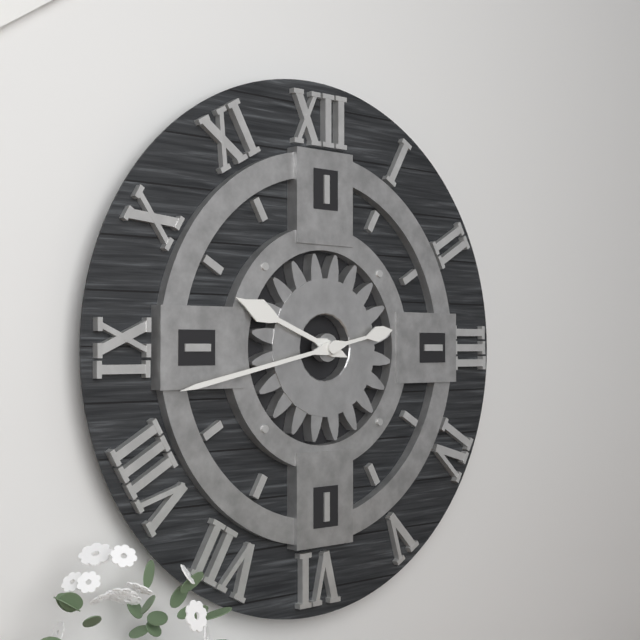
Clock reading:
9.43
